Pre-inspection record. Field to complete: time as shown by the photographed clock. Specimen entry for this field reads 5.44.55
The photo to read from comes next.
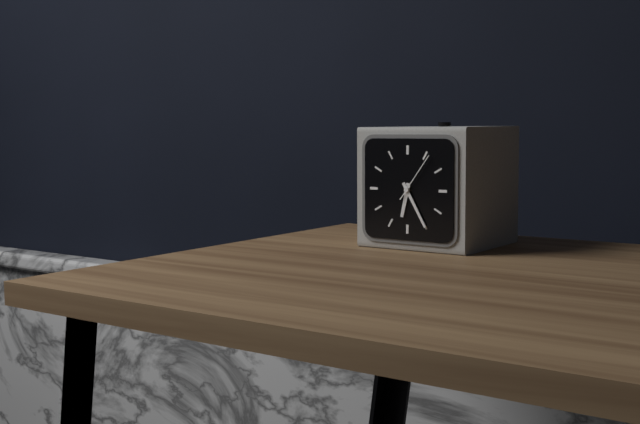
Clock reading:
6.25.06
